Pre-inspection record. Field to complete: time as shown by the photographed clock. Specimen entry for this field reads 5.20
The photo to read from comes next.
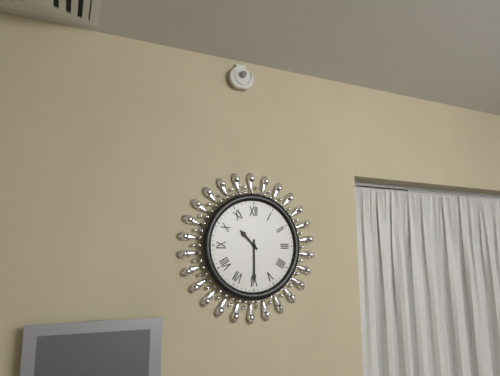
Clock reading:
10.30
